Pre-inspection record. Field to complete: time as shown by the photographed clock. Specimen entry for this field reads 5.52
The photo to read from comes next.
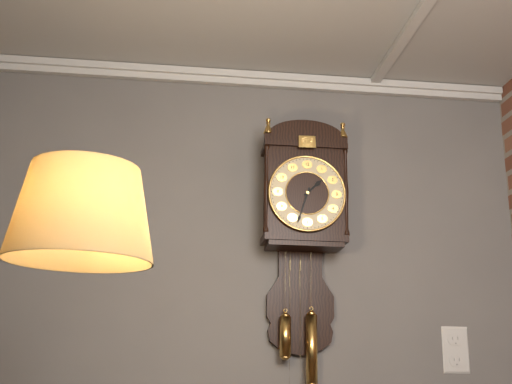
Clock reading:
1.33
